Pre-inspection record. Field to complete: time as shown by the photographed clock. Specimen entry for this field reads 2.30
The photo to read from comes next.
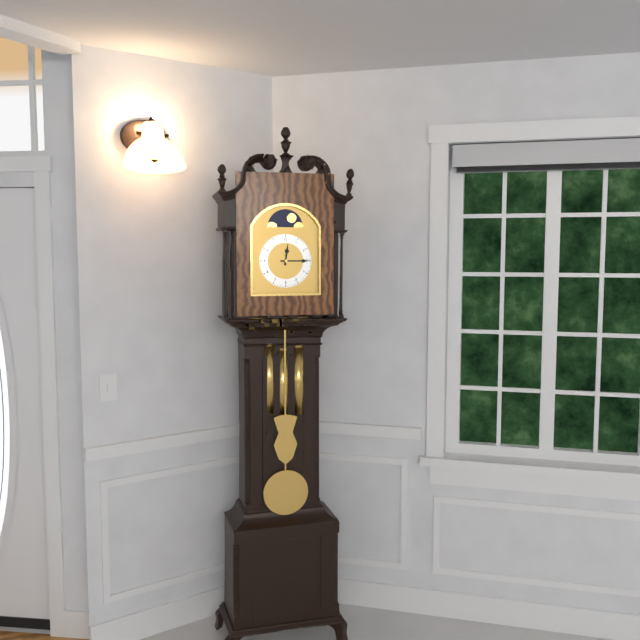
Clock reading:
12.15
